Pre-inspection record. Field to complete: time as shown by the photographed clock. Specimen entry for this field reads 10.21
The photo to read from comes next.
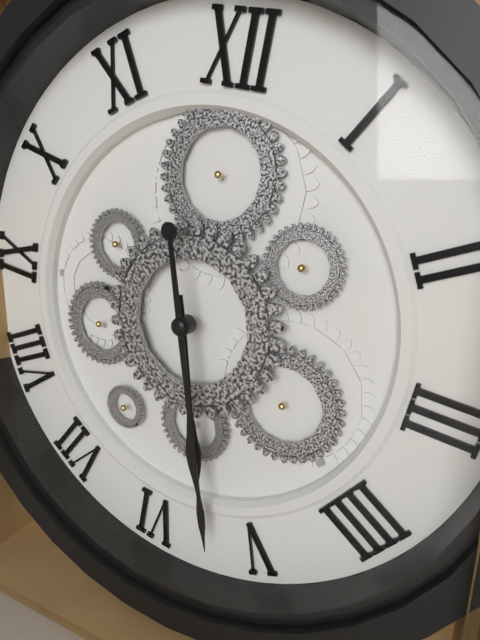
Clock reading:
5.27
